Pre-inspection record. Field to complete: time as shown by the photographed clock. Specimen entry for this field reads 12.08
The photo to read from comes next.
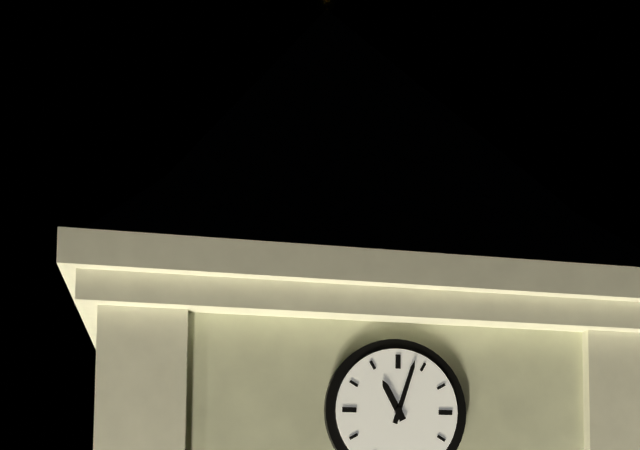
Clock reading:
11.03
